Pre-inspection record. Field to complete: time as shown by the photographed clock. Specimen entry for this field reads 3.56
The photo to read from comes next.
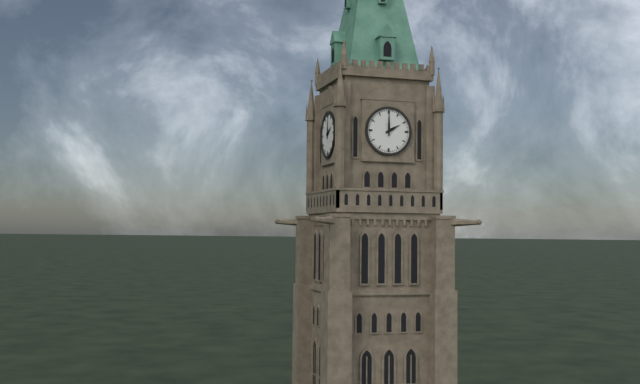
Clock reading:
2.00
